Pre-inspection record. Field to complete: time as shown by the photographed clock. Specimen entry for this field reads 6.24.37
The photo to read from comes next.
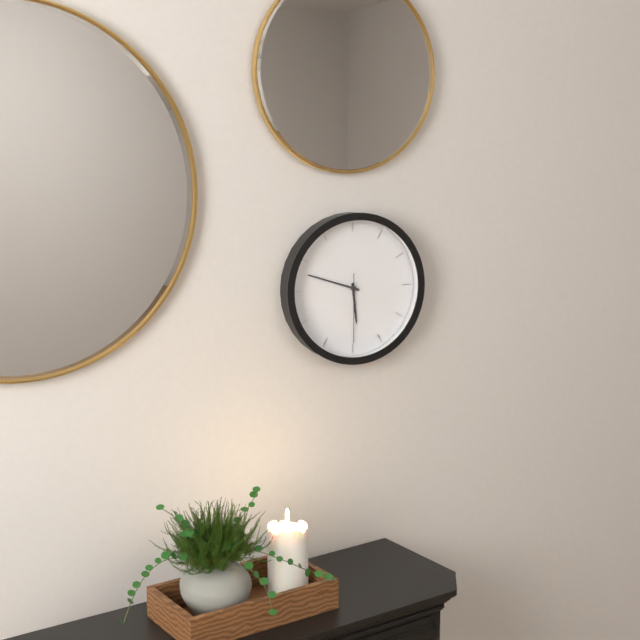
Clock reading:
5.48.30
